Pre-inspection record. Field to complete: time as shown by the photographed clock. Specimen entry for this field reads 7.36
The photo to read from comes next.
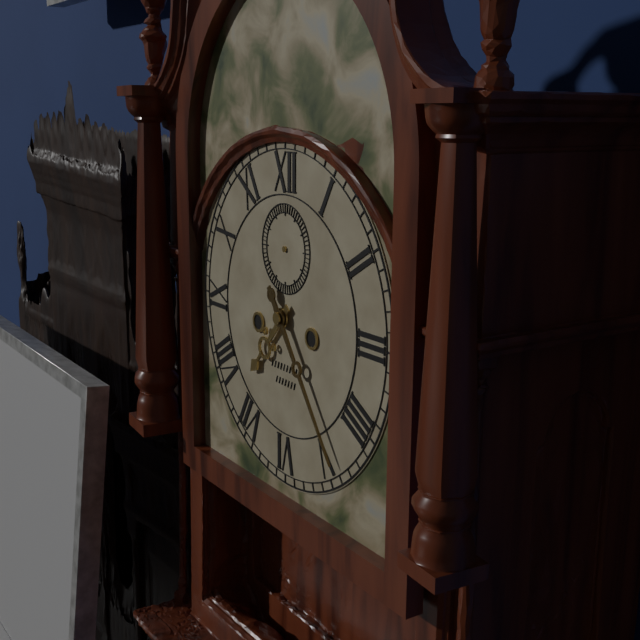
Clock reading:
7.24
